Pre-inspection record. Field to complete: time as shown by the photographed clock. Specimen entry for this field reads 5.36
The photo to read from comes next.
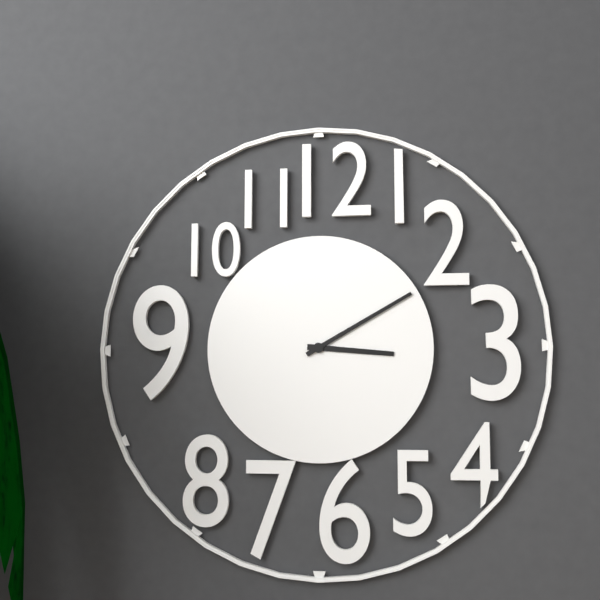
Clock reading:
3.10
